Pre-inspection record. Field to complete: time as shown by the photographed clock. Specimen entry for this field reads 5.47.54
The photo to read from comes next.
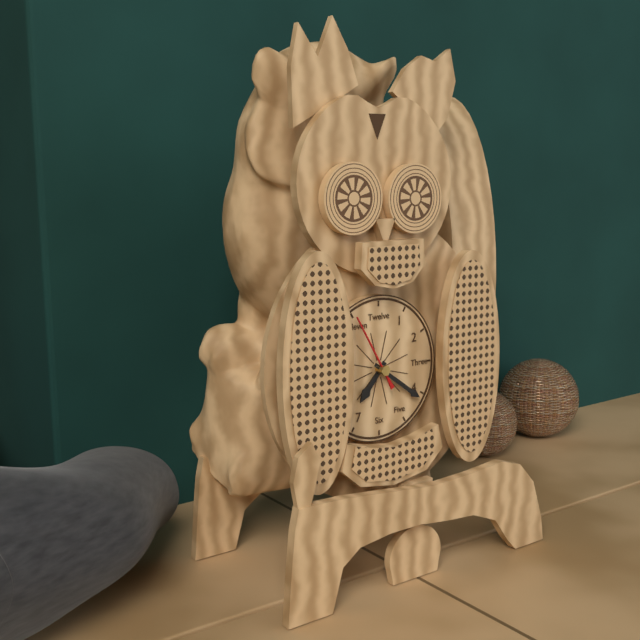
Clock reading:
7.21.55
